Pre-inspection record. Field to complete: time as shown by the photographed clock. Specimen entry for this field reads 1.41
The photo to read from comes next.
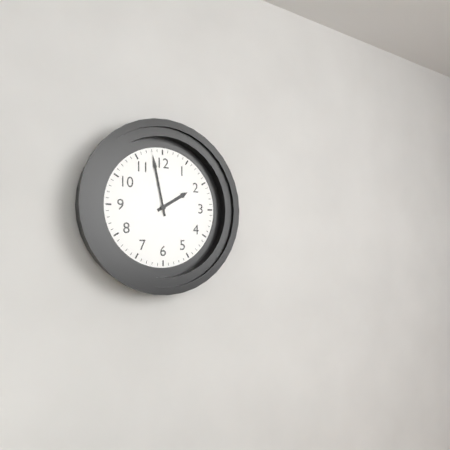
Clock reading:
1.58
